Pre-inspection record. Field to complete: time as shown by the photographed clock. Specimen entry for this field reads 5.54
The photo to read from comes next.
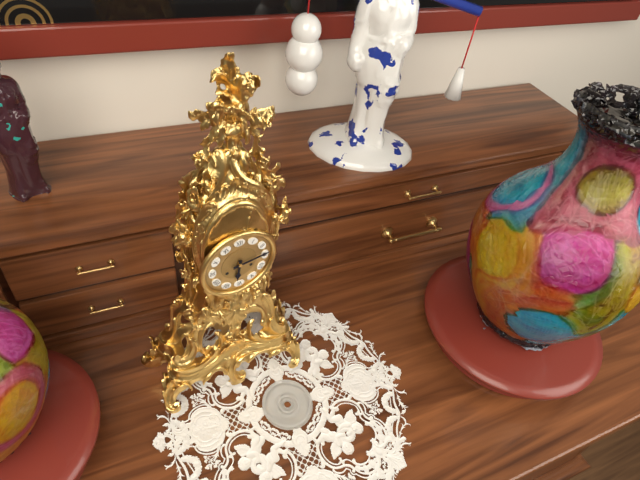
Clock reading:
6.14
